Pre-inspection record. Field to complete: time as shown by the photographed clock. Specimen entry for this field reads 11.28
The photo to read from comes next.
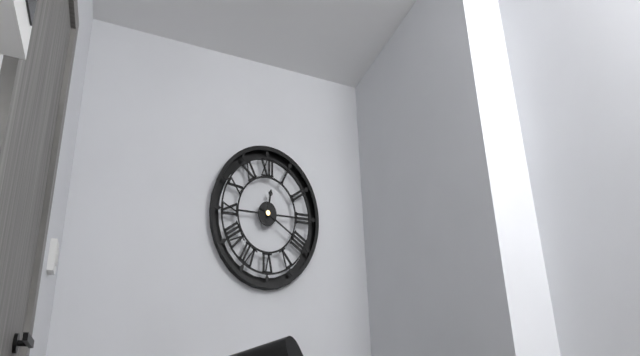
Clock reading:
12.20
